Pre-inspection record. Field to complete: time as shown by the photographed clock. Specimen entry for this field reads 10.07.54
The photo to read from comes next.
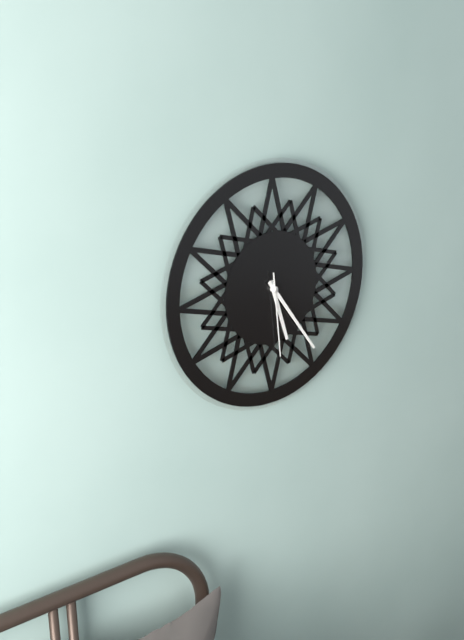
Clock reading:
5.24.29
